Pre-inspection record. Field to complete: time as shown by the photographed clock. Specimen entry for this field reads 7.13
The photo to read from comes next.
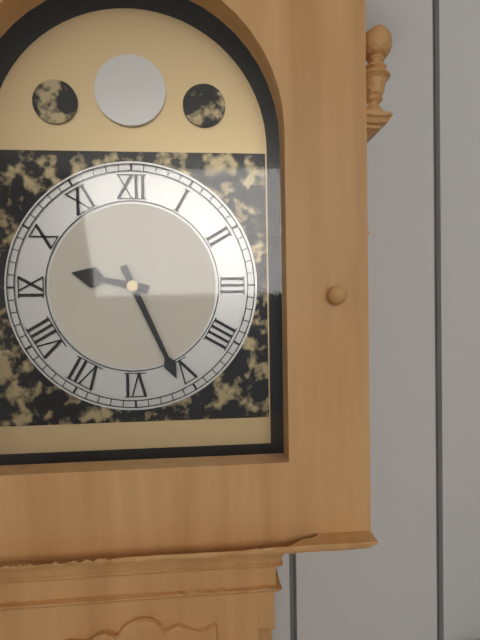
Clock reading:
9.26
